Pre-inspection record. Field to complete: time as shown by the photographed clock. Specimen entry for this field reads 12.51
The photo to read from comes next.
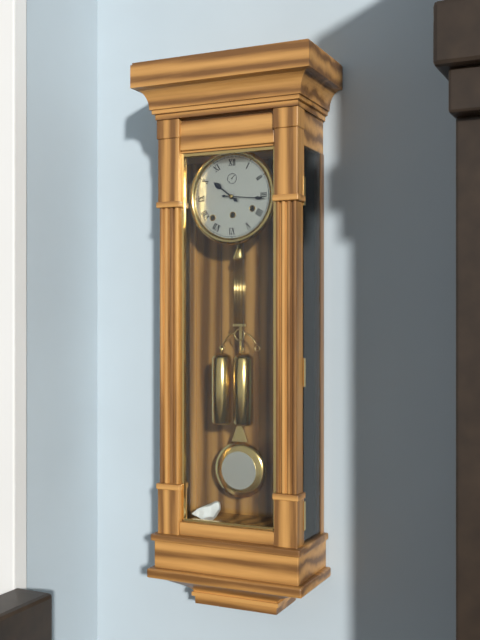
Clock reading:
10.16
